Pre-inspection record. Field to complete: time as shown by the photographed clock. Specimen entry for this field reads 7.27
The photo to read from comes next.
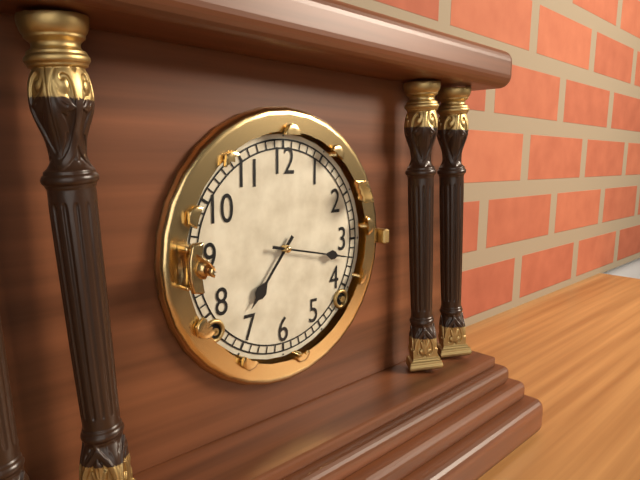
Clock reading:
7.17
